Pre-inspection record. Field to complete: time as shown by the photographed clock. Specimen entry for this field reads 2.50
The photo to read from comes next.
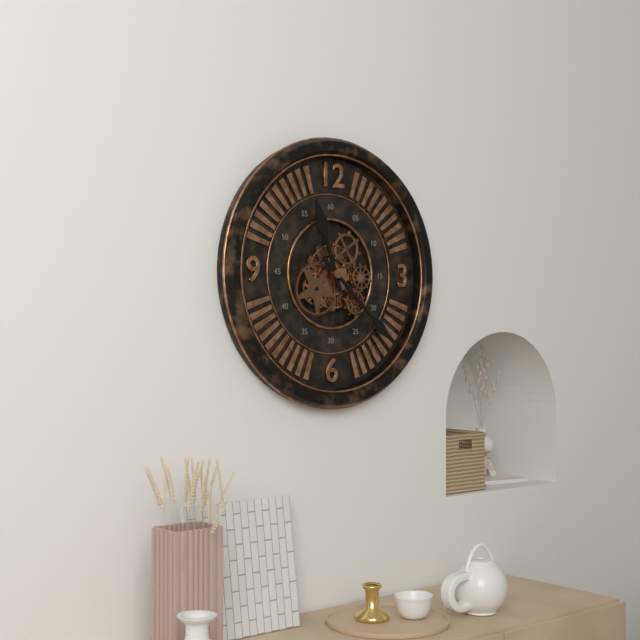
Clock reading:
11.22
